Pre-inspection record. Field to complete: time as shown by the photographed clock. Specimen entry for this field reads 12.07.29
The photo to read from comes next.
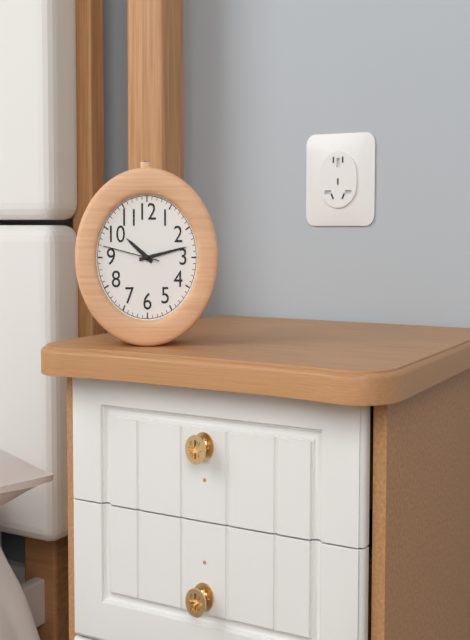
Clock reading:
10.13.47
